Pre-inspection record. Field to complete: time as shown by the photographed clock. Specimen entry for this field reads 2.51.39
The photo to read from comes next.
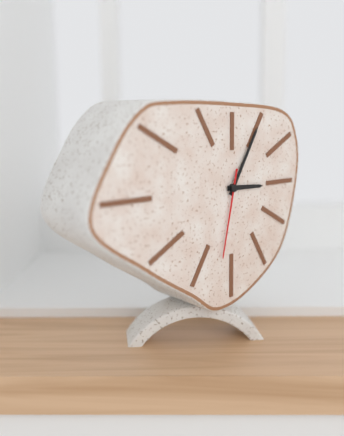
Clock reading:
3.05.32
